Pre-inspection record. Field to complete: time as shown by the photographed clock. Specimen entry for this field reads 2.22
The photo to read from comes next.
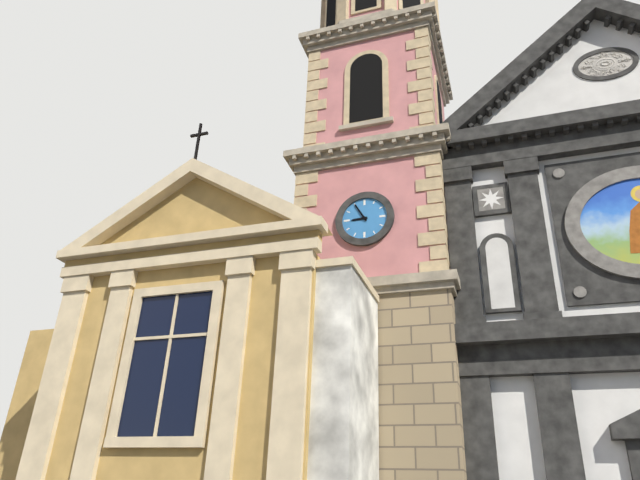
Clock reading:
8.55
